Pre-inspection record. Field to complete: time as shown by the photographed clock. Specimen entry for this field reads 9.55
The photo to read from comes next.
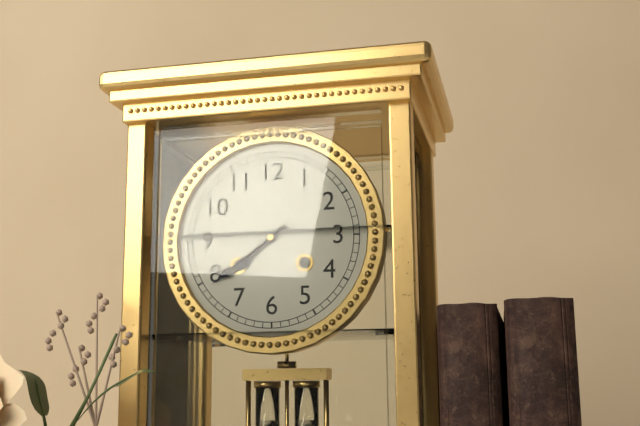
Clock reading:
7.39
